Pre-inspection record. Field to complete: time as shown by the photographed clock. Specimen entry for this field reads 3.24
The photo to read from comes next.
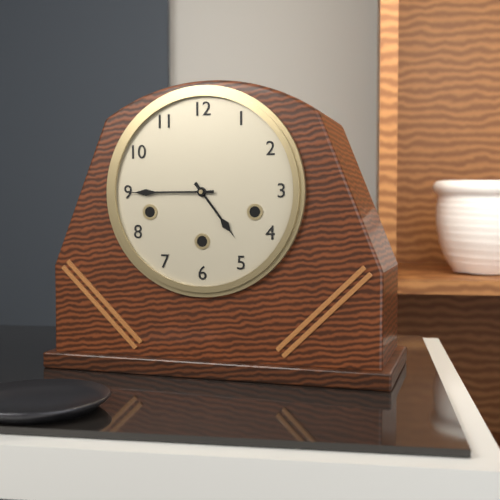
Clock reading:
4.45
